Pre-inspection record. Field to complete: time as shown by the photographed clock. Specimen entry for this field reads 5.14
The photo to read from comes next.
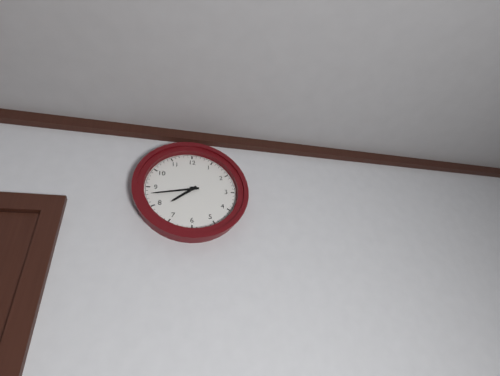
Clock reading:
7.43
